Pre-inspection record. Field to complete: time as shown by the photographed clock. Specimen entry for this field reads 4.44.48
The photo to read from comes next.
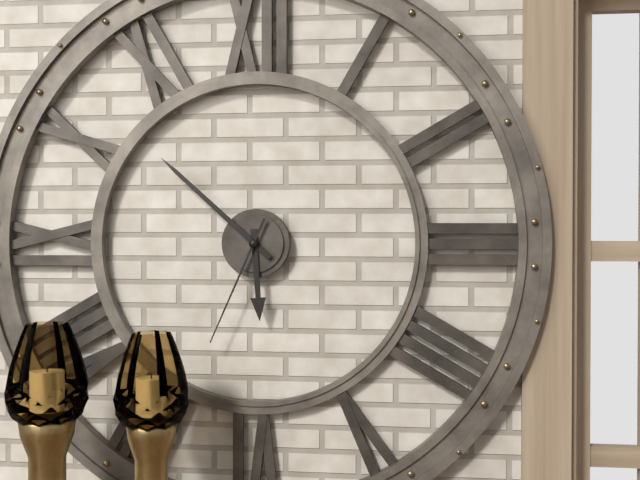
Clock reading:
5.52.34
